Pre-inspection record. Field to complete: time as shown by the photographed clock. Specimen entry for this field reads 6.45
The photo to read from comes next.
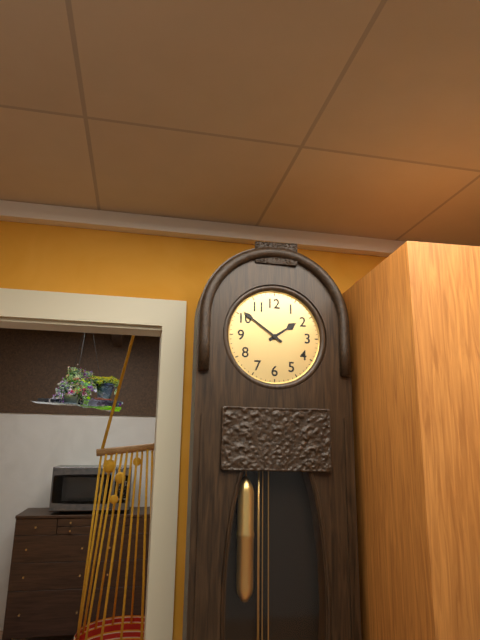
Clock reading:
1.51
